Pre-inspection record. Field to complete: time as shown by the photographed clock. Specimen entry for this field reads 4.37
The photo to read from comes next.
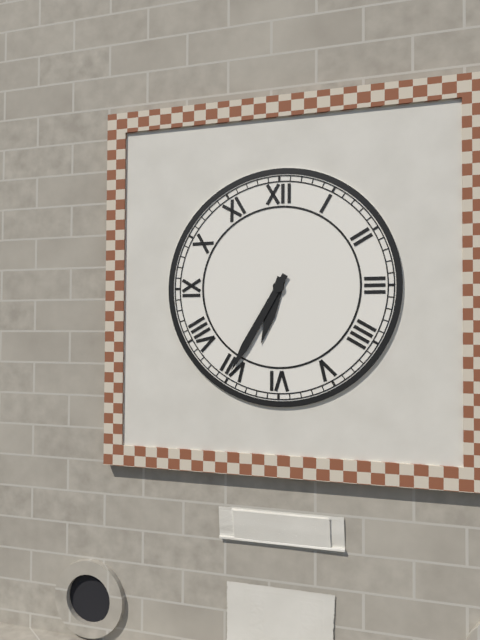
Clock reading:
6.35
